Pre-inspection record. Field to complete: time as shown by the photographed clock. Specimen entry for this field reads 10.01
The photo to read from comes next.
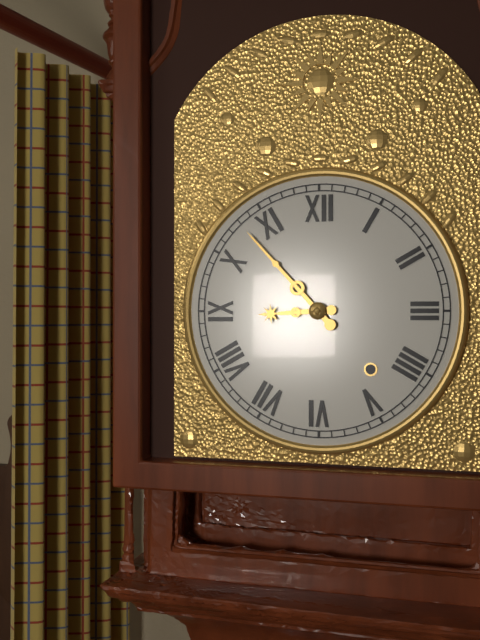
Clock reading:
8.53
